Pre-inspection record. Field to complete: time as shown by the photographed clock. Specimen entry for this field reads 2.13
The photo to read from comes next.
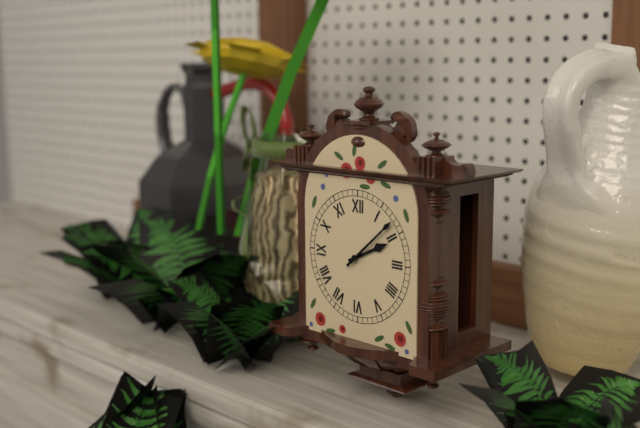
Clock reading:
2.08
